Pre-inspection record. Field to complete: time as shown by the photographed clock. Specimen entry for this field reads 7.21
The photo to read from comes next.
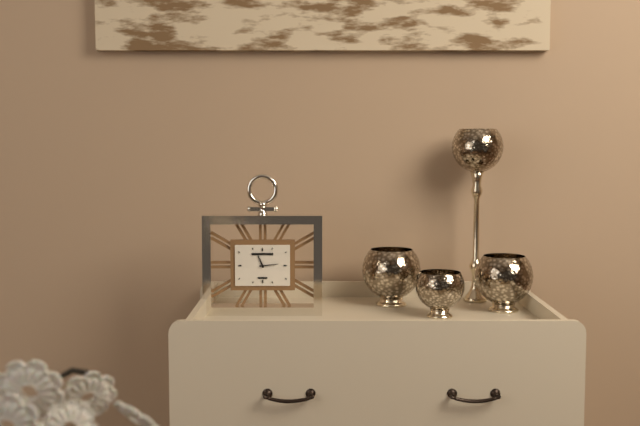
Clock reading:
11.14
